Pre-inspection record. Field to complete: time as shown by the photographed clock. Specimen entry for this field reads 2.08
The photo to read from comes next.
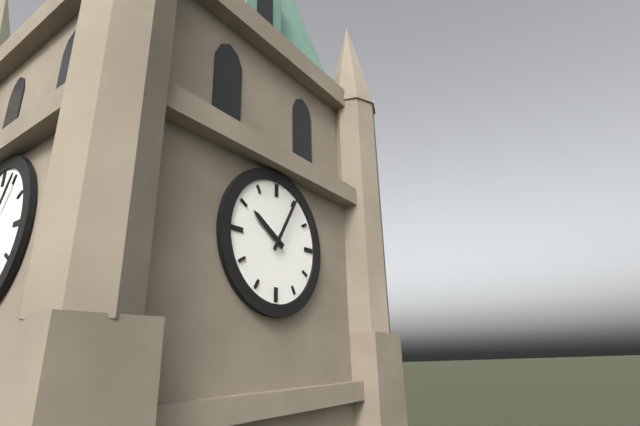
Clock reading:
10.05
